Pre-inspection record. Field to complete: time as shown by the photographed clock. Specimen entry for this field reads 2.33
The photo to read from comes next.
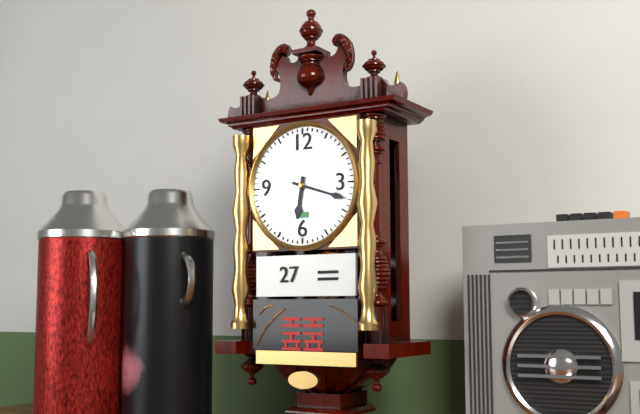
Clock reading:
6.18
